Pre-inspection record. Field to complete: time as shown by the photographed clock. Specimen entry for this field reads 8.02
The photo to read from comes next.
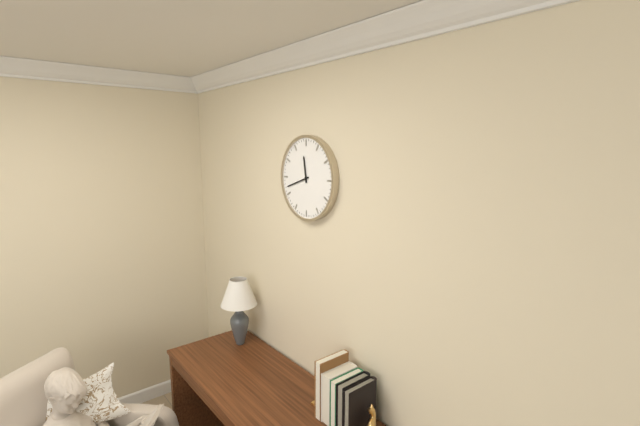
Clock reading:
11.42
